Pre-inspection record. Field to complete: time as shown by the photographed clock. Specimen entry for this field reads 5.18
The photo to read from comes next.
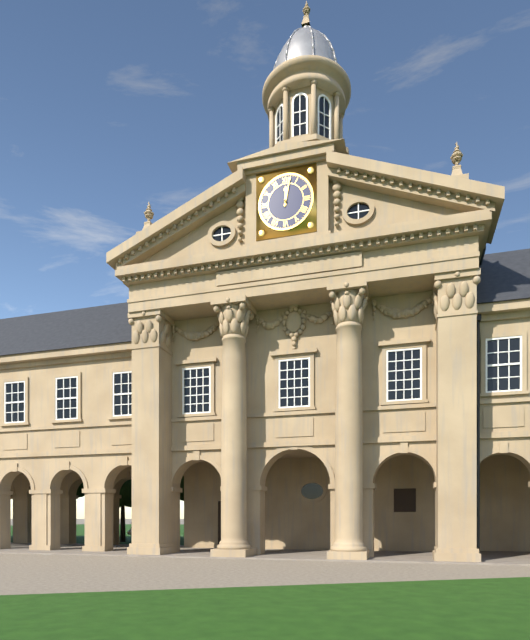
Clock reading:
12.02
